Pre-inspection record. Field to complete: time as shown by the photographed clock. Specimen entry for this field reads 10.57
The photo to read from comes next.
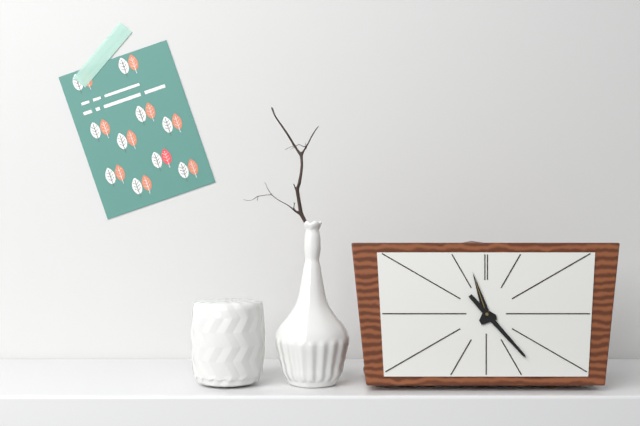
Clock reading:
11.23
